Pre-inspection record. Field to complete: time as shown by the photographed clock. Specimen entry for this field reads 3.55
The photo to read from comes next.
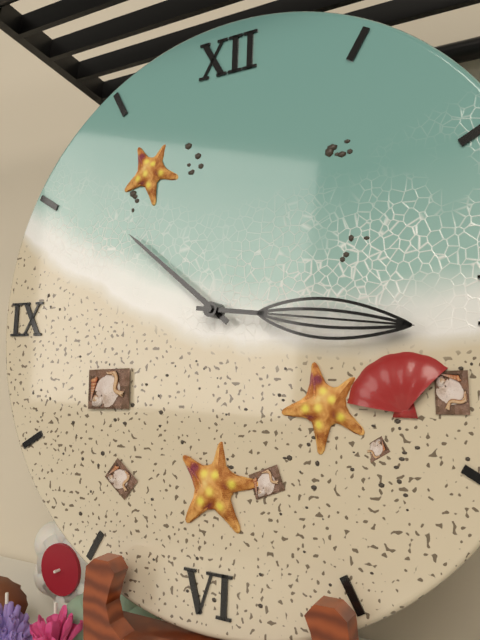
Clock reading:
10.16
